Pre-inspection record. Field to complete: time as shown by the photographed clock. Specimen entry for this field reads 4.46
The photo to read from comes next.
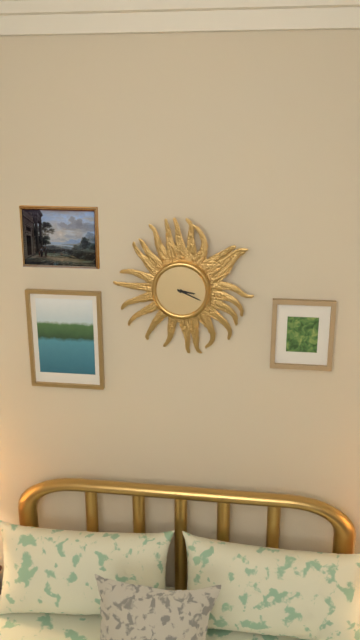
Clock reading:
3.19
